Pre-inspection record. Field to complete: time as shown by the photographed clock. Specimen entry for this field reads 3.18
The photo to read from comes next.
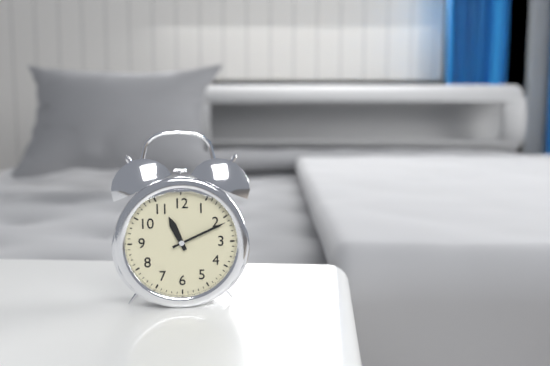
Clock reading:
11.11
